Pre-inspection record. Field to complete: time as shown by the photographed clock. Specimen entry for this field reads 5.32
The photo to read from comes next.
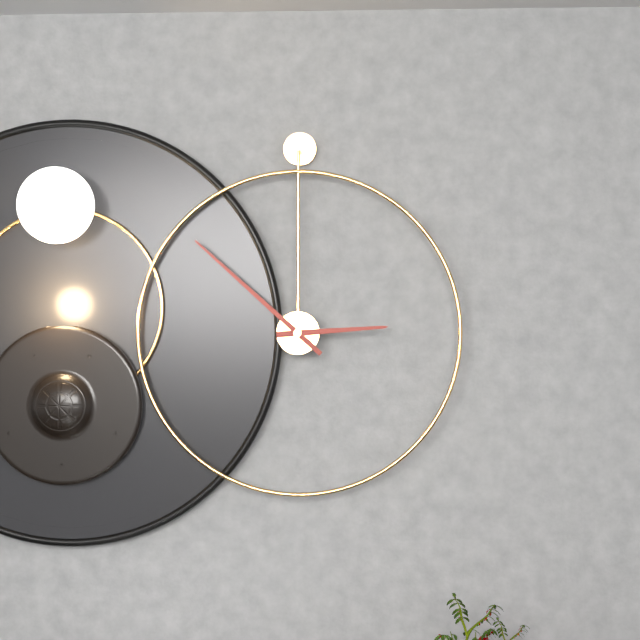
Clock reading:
2.52
